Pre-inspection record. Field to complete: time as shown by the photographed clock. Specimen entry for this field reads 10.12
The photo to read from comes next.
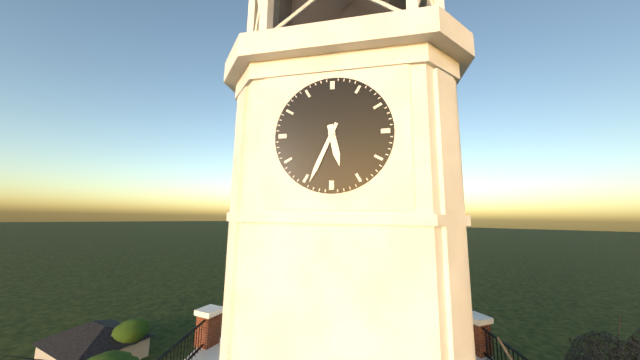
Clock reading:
5.34
